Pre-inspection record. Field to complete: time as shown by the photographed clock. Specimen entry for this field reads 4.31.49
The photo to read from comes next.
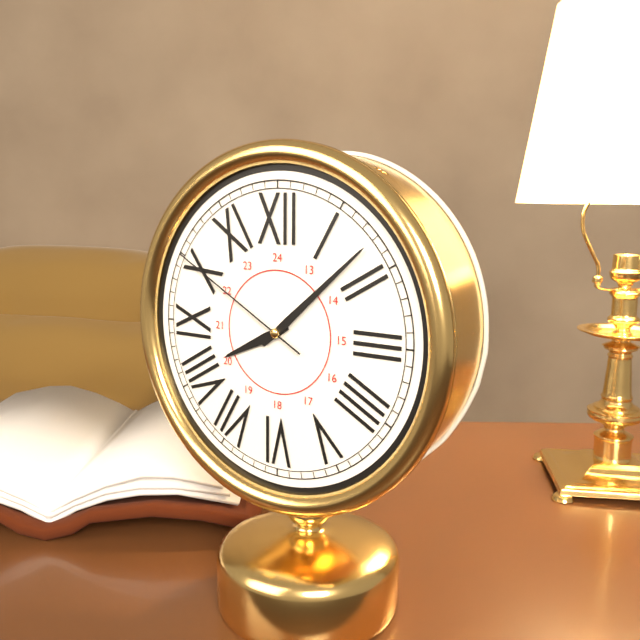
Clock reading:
8.08.50
